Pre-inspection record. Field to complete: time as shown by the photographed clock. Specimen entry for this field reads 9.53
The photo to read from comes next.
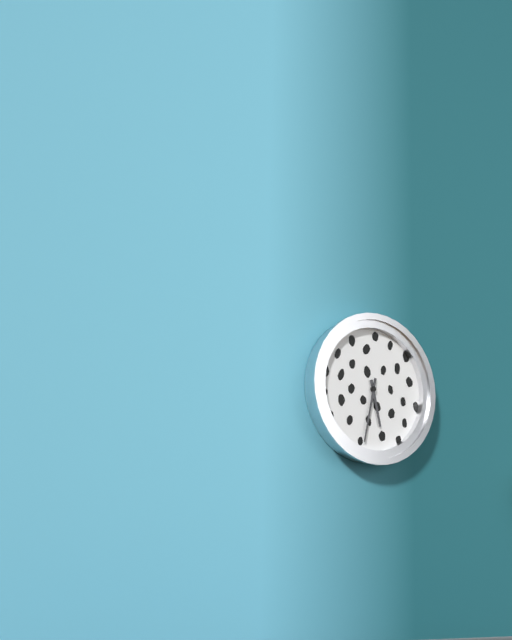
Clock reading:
5.32
